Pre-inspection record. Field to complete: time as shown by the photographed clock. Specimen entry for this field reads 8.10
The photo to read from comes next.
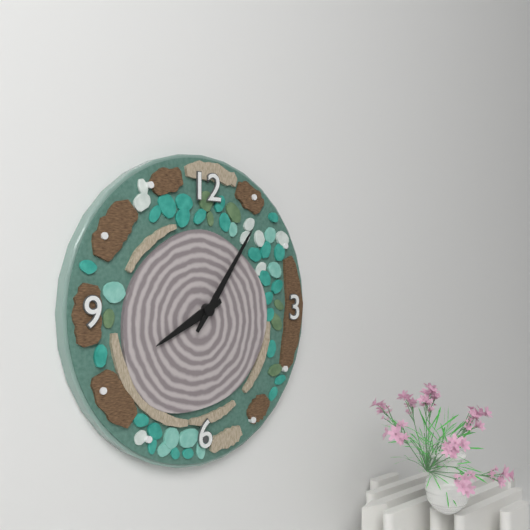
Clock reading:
8.06
